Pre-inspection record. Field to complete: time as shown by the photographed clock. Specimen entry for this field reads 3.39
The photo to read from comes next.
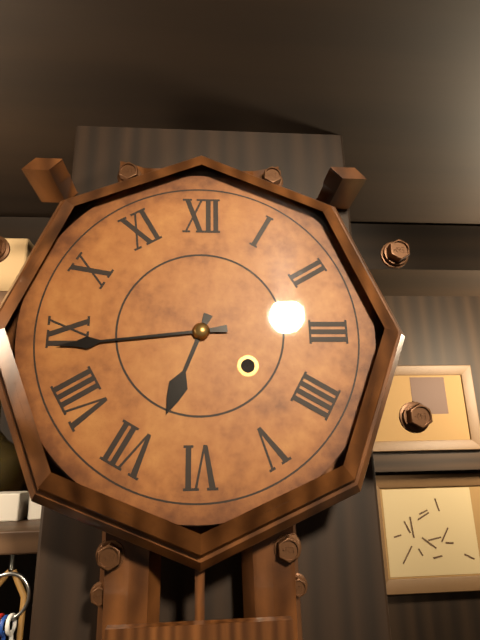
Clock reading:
6.44
